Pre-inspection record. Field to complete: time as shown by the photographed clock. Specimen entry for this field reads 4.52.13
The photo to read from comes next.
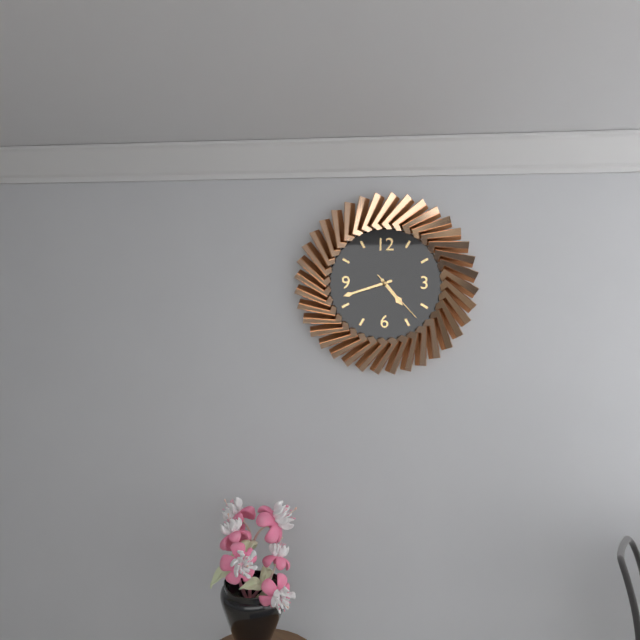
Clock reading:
4.42.23
